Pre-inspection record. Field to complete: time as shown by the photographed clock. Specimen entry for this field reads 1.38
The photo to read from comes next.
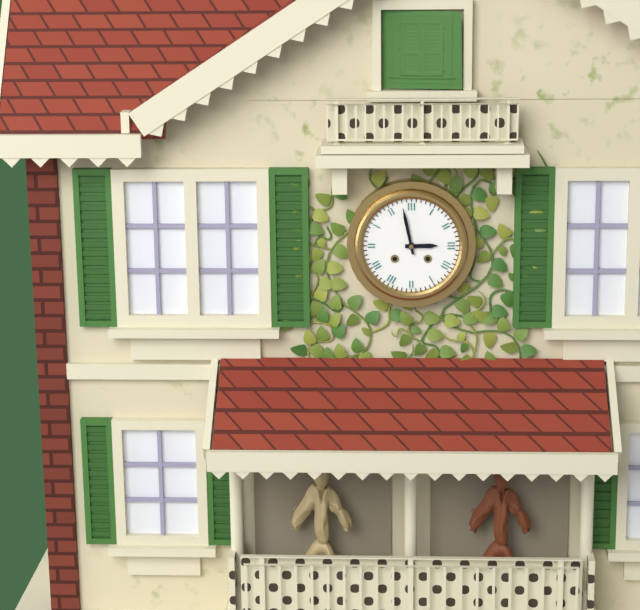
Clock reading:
2.58
